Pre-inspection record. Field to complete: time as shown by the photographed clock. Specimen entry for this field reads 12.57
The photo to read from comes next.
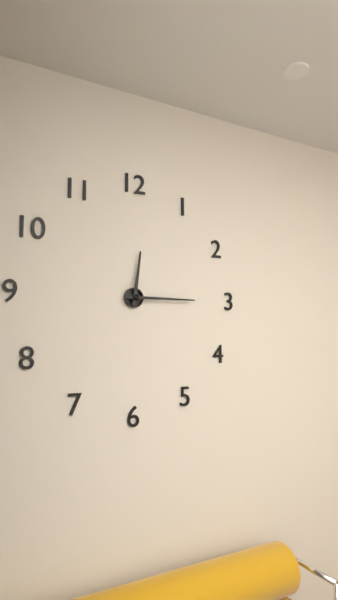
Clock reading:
12.15
